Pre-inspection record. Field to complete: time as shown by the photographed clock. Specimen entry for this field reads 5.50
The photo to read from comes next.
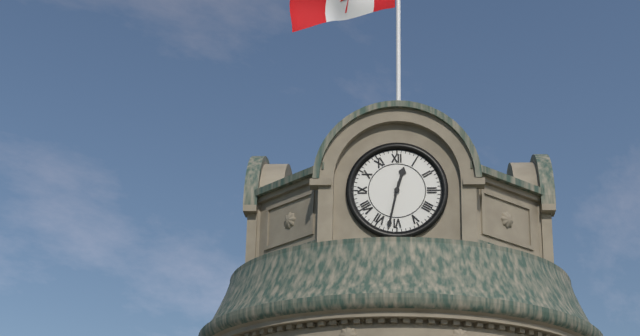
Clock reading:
12.32
